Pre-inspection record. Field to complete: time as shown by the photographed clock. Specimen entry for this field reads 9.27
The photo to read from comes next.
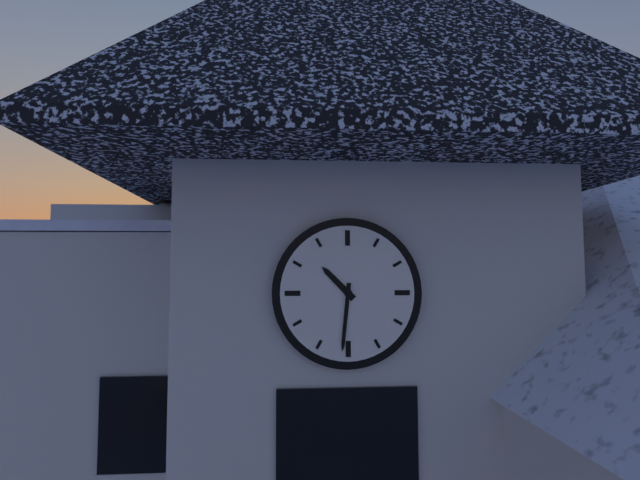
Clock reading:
10.31
